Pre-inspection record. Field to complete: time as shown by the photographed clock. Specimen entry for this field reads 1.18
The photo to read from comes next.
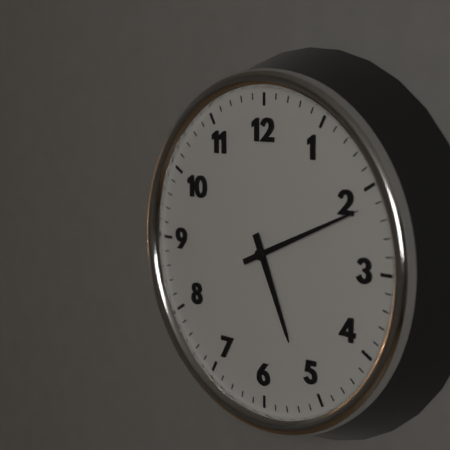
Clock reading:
5.11
